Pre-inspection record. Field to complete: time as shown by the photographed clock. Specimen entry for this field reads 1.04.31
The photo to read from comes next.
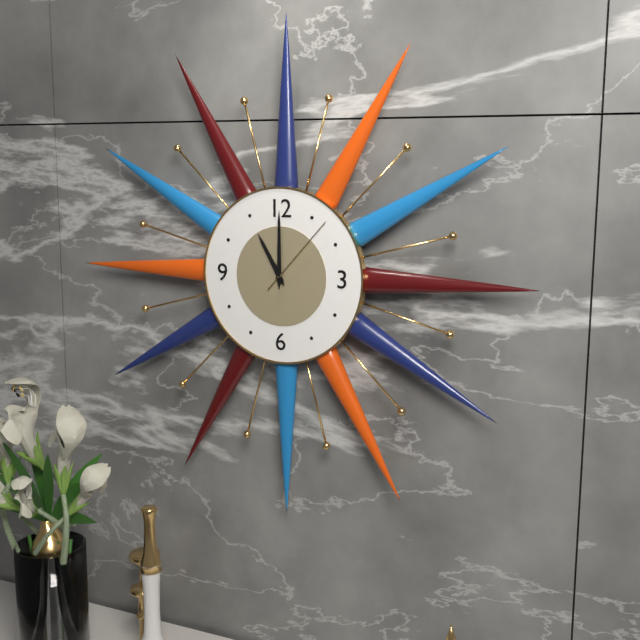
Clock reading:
11.00.07
